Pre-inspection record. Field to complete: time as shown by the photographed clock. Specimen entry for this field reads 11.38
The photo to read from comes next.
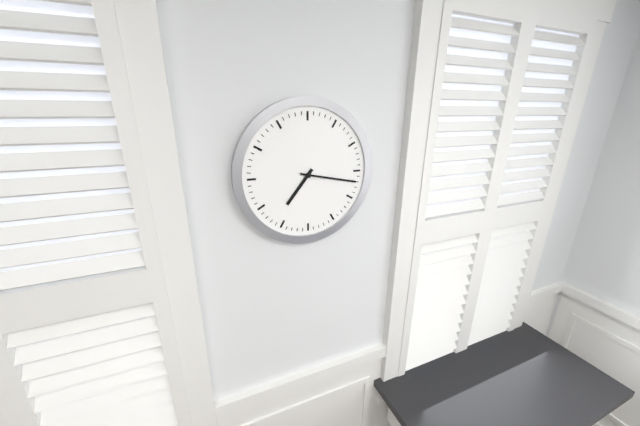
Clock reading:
7.17
